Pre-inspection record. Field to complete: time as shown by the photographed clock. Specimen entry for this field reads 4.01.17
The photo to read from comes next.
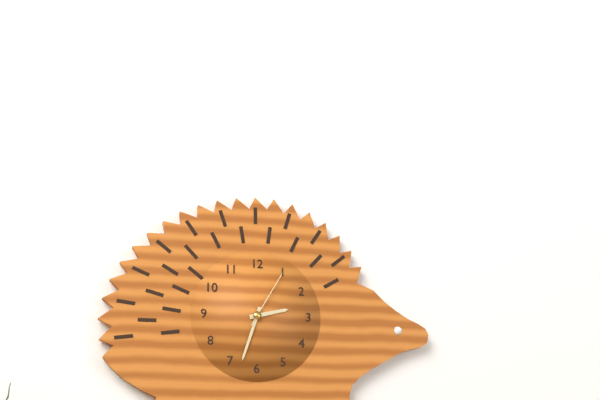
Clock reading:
2.33.05
